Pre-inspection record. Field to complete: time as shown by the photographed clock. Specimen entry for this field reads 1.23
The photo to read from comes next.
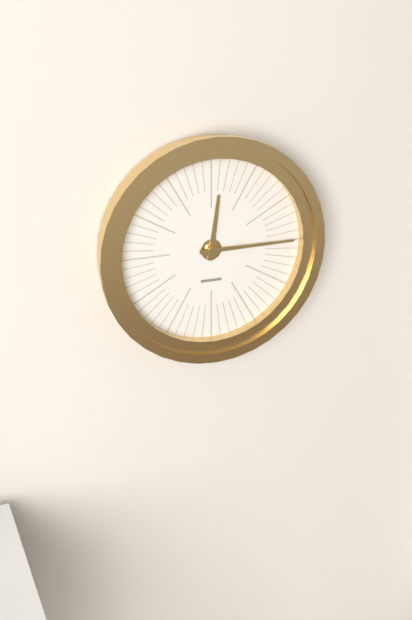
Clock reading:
12.15
